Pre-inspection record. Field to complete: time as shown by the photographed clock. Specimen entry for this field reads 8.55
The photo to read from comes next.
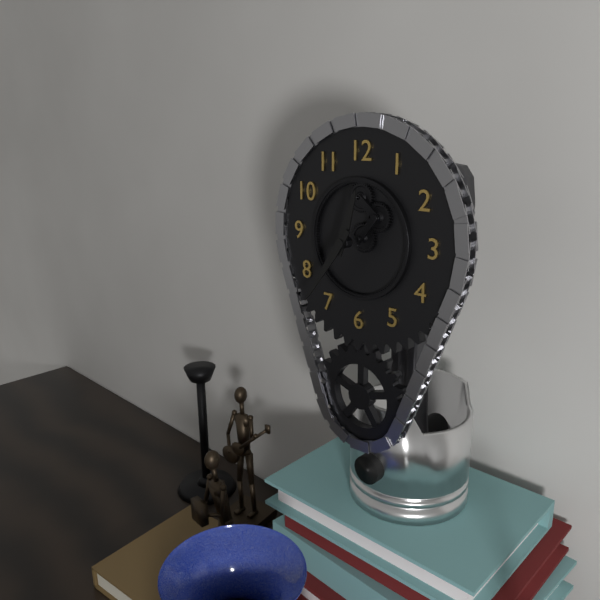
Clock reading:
12.36
